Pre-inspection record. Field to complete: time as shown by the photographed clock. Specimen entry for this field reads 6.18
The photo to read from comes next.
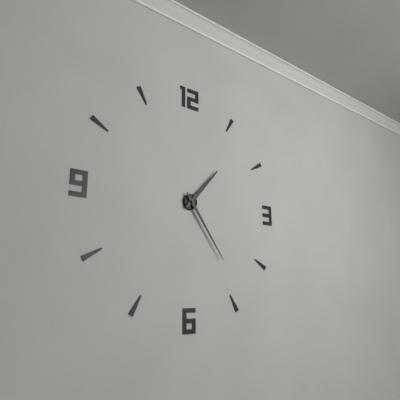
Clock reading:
1.24
